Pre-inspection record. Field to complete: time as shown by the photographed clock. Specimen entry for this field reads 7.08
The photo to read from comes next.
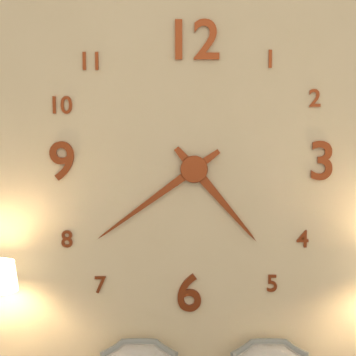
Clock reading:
4.39
